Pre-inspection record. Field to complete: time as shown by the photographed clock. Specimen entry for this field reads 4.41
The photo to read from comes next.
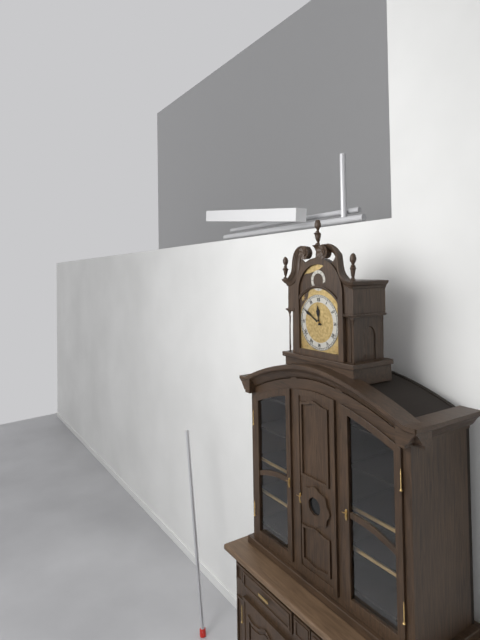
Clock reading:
11.50
